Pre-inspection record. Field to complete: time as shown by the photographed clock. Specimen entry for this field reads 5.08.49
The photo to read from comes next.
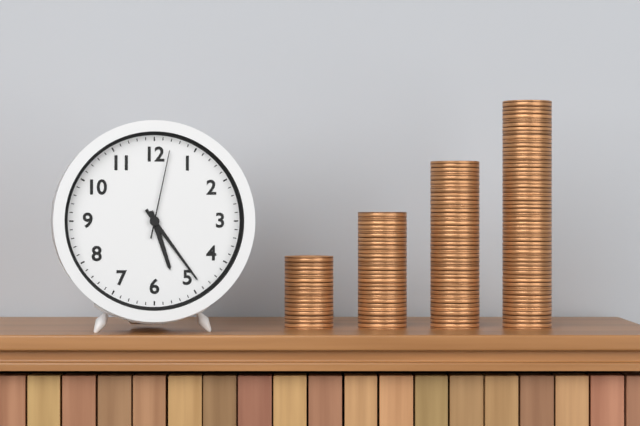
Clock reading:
5.24.02
